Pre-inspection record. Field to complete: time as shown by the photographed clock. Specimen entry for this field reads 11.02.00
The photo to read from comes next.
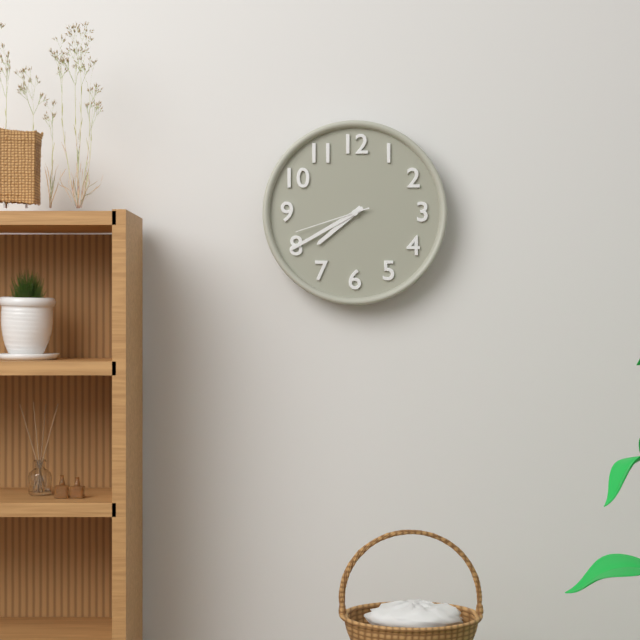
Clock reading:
7.40.42
